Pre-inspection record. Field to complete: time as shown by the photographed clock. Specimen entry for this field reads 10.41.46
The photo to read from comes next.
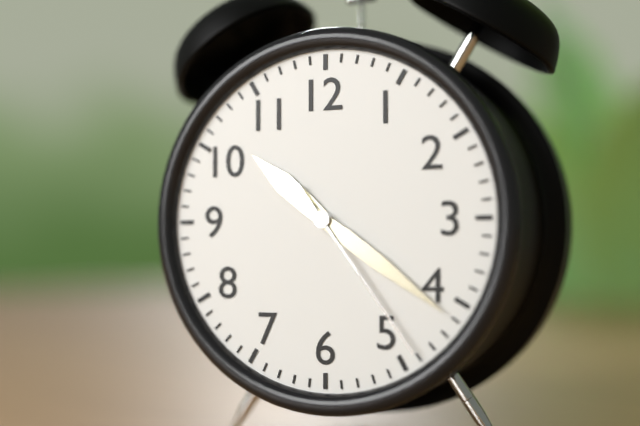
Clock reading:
10.21.24
